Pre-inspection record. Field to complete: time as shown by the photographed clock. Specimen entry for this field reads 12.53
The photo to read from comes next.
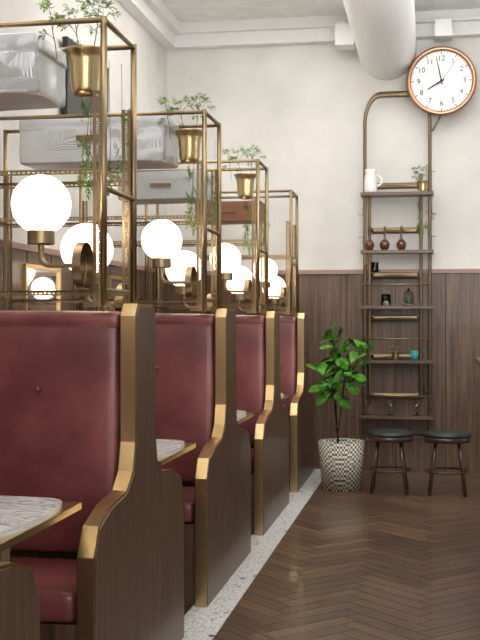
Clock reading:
7.58
